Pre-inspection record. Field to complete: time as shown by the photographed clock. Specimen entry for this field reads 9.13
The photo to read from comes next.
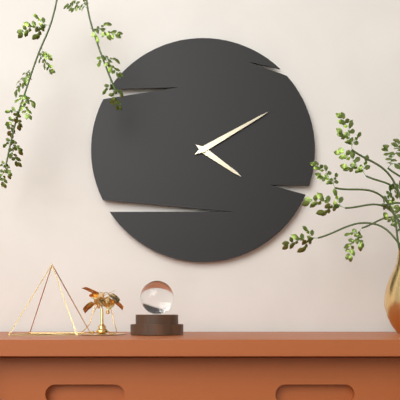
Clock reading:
4.10
